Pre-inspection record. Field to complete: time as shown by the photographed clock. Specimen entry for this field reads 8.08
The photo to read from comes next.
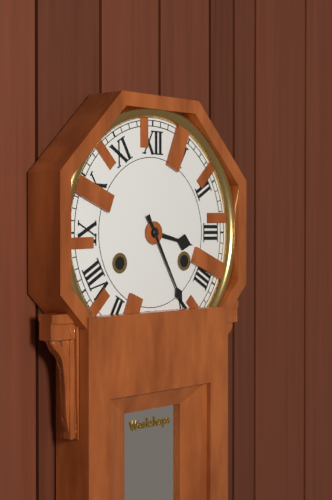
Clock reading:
3.25
